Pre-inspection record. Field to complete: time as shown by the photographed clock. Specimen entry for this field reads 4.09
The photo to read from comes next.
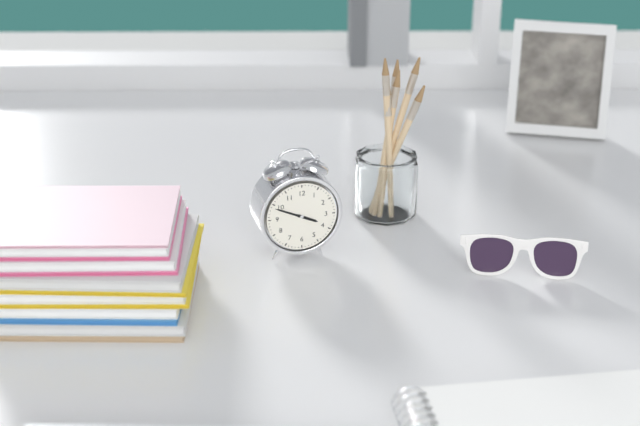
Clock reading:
3.49
